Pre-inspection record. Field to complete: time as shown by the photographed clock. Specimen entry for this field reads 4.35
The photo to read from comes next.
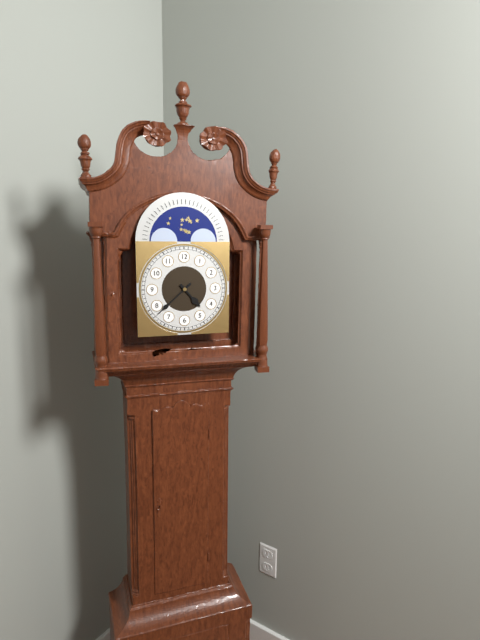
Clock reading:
4.38
